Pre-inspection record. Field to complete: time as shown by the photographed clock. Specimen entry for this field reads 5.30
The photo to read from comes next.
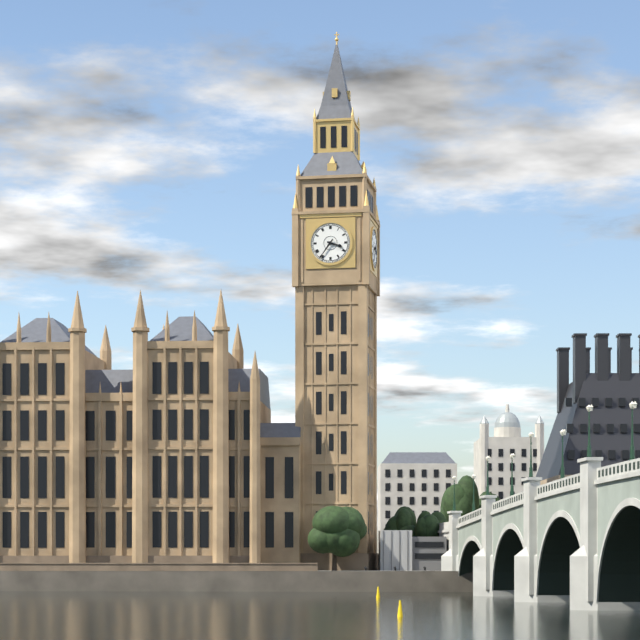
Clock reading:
3.36
